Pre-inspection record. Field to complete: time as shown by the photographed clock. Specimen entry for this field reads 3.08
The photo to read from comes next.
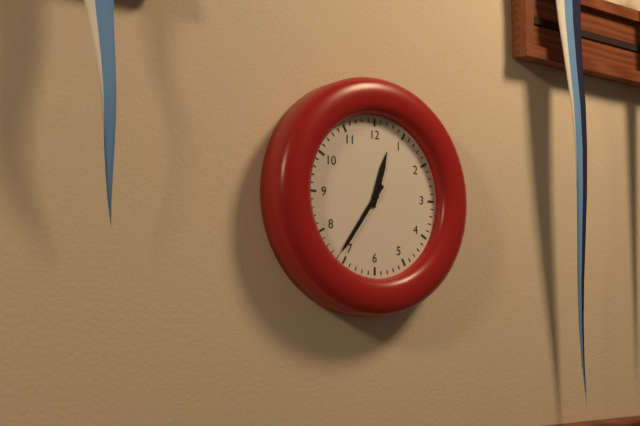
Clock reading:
12.36
